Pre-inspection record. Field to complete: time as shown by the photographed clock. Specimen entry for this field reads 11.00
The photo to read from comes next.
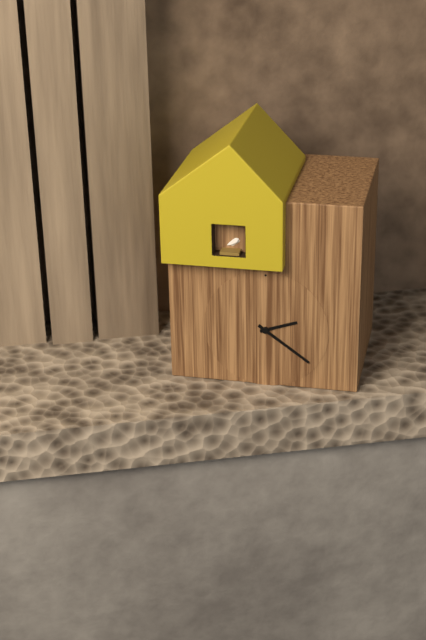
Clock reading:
2.21
